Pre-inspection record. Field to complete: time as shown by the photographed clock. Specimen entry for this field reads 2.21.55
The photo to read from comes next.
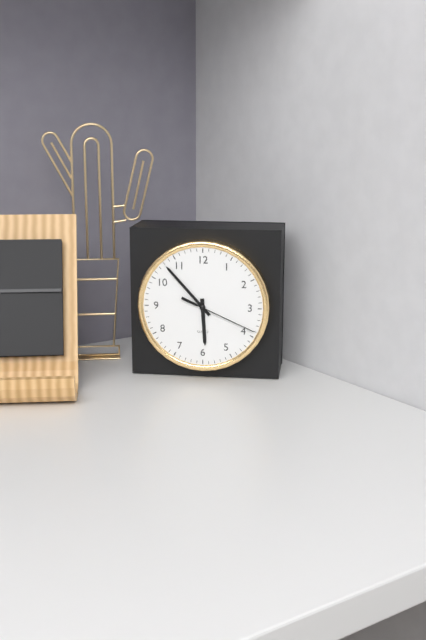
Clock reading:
5.53.19
